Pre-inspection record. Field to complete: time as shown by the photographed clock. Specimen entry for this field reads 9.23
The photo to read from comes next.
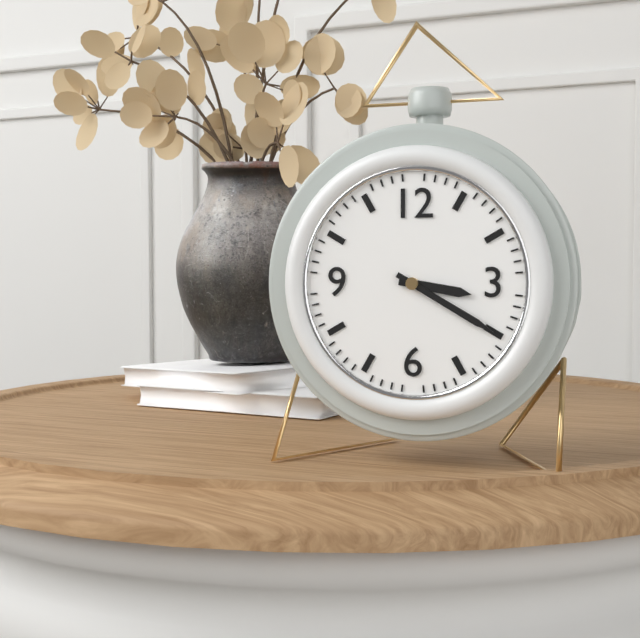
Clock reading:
3.20
